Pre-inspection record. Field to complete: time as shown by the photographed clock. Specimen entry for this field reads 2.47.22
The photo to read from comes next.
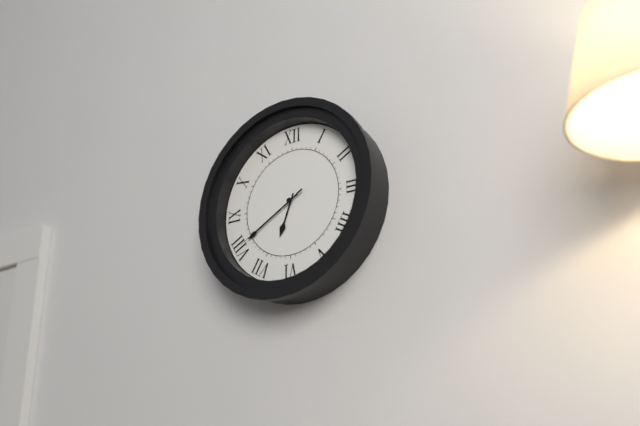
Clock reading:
6.40.40
